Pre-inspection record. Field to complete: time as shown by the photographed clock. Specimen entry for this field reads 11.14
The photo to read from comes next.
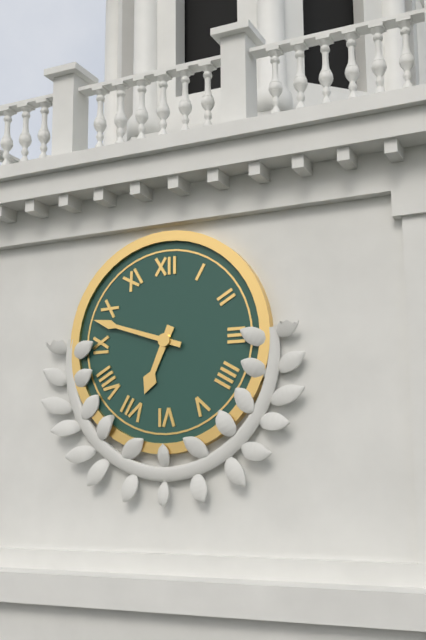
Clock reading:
6.48
